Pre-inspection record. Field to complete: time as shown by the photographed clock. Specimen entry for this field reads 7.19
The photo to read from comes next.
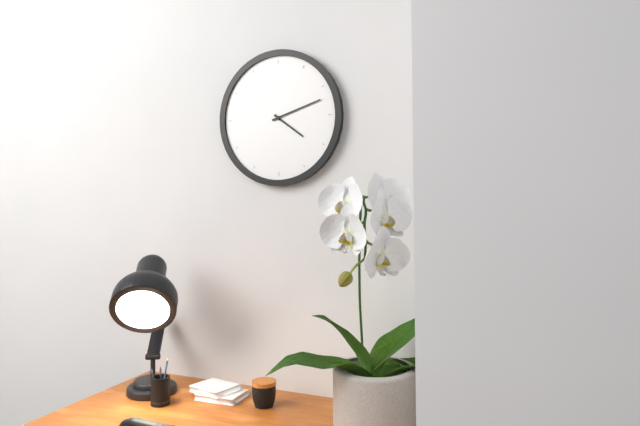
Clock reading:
4.12
